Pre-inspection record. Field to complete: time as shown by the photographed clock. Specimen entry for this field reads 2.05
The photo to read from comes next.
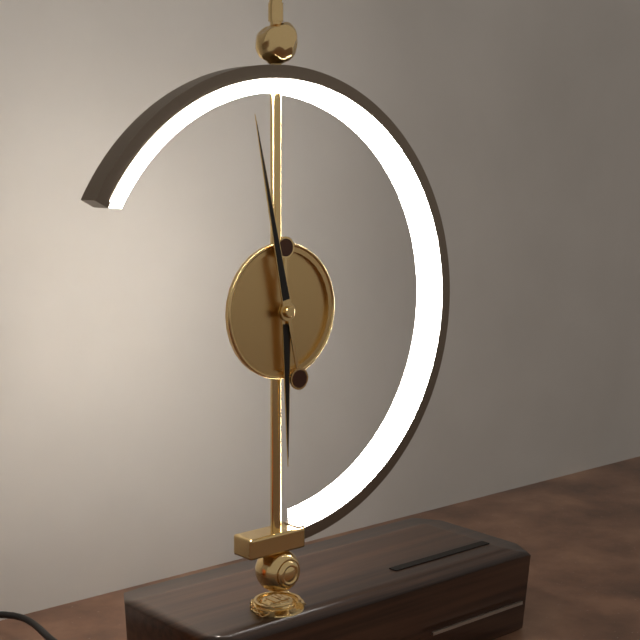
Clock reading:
5.58
